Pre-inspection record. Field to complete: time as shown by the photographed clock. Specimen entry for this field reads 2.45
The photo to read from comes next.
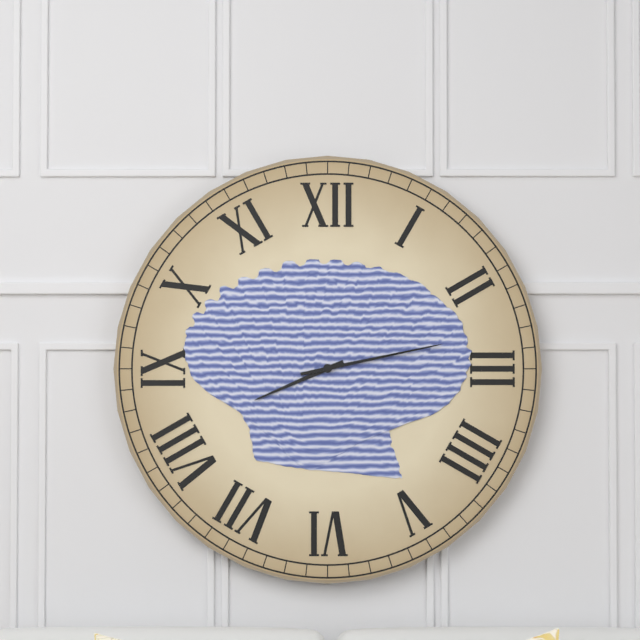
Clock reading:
8.13
